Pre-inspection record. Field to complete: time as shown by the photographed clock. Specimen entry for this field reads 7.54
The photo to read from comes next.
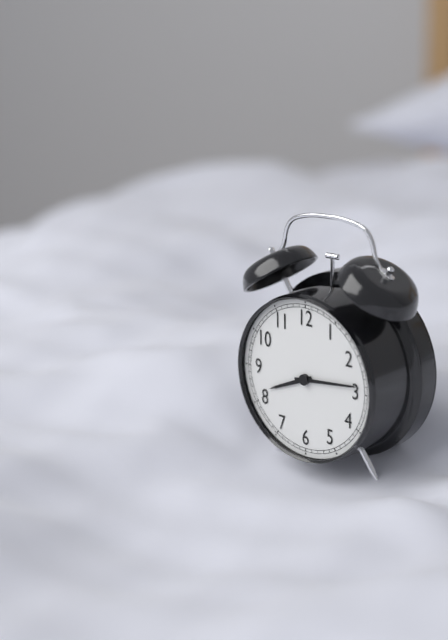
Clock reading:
8.14
